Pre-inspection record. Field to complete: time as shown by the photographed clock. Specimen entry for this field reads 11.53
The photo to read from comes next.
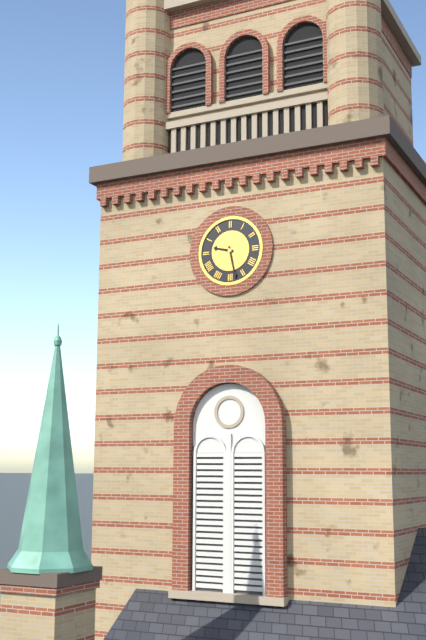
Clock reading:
9.28
